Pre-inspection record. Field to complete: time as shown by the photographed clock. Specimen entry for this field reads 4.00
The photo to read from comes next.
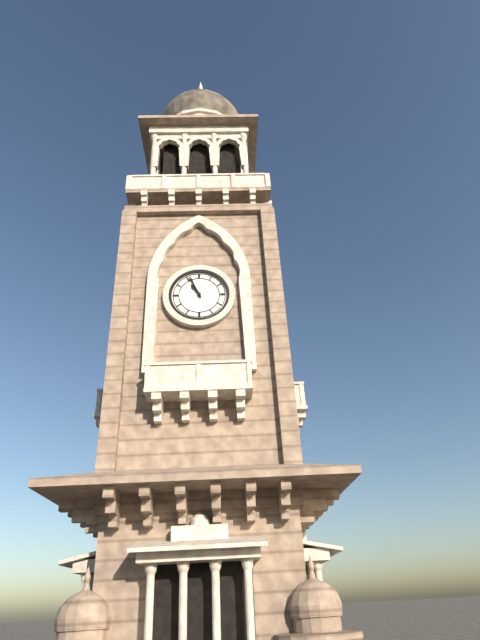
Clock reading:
10.56
